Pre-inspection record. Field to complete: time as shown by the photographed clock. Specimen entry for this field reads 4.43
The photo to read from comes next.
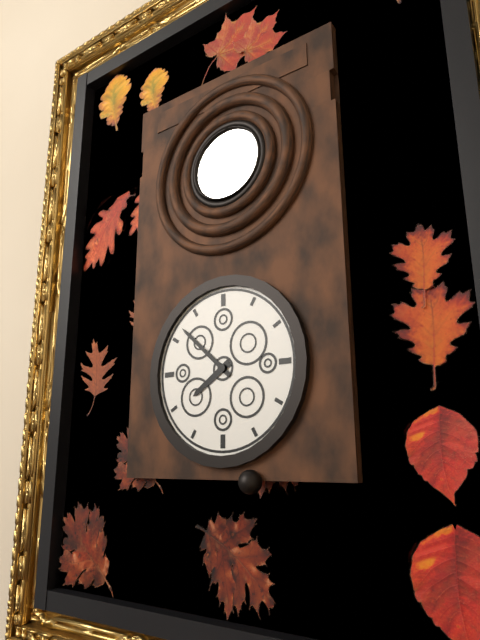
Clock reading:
7.52
